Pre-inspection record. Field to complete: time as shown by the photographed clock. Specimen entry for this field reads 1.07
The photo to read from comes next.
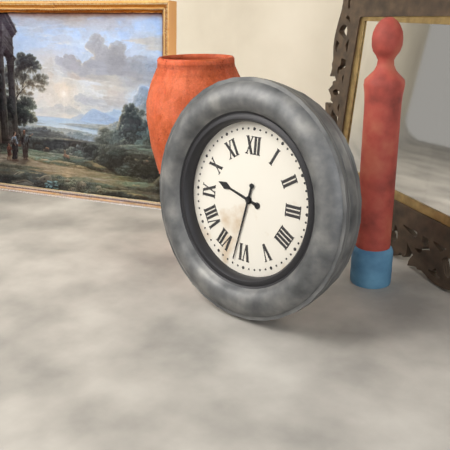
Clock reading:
9.32
